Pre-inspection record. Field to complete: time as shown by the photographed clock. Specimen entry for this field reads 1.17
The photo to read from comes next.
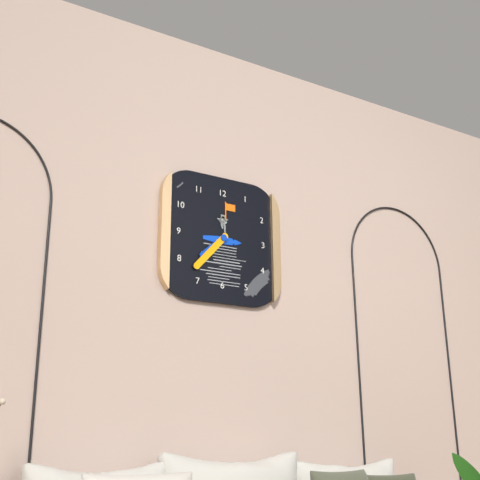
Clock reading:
7.37
